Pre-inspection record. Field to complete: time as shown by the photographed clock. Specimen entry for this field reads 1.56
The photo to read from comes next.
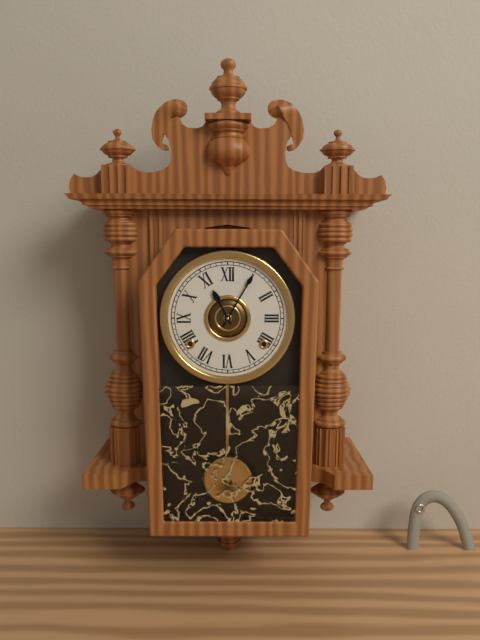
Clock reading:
11.05
